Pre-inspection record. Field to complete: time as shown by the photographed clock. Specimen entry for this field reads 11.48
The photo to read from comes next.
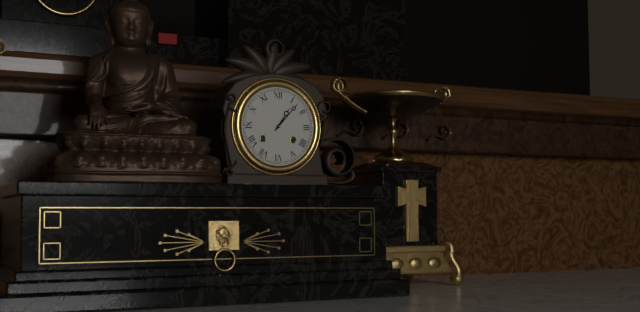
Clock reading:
1.07
